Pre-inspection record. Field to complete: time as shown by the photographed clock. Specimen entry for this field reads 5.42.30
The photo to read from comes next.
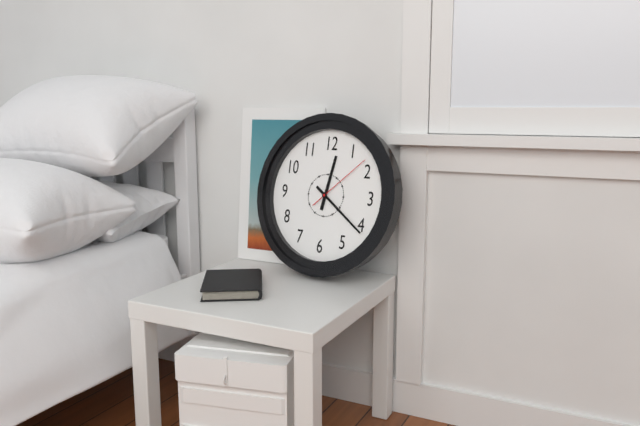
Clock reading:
12.21.08
